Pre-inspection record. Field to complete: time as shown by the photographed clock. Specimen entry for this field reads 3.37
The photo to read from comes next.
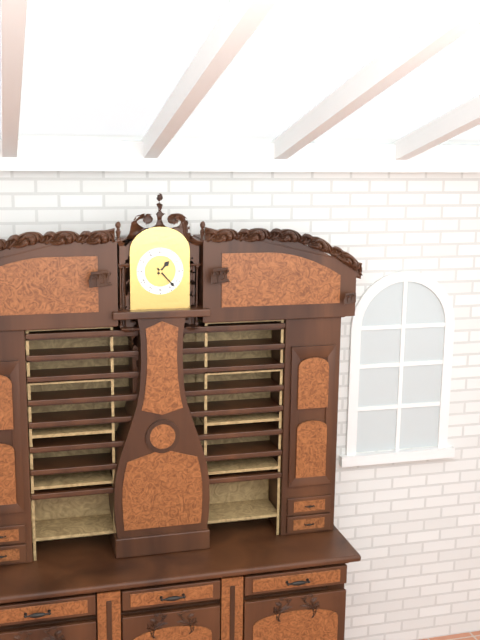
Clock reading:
1.23
